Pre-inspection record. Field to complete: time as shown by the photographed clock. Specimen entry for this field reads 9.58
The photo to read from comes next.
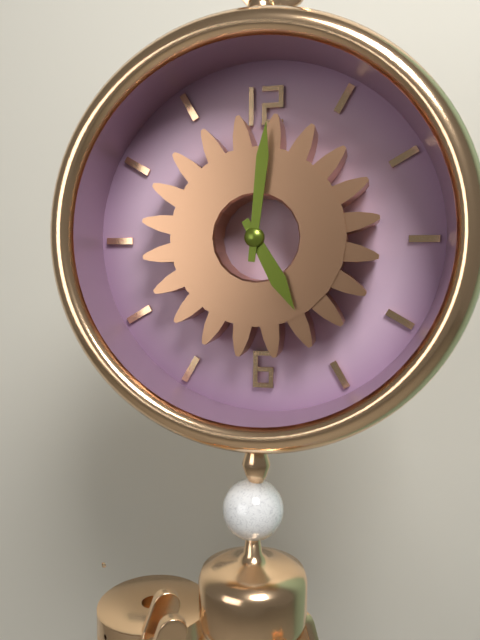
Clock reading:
5.01
